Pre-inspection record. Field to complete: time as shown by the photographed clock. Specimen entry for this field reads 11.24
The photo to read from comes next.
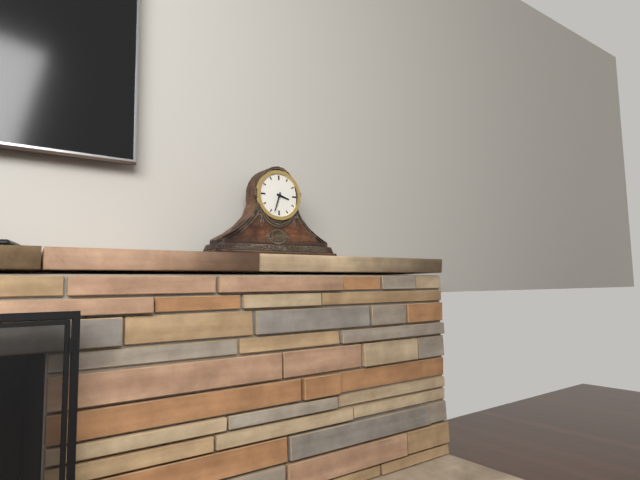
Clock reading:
3.33
